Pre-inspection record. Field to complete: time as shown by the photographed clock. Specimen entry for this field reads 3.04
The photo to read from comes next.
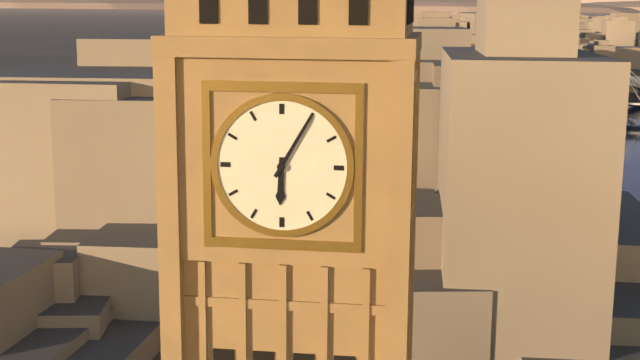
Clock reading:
6.05
